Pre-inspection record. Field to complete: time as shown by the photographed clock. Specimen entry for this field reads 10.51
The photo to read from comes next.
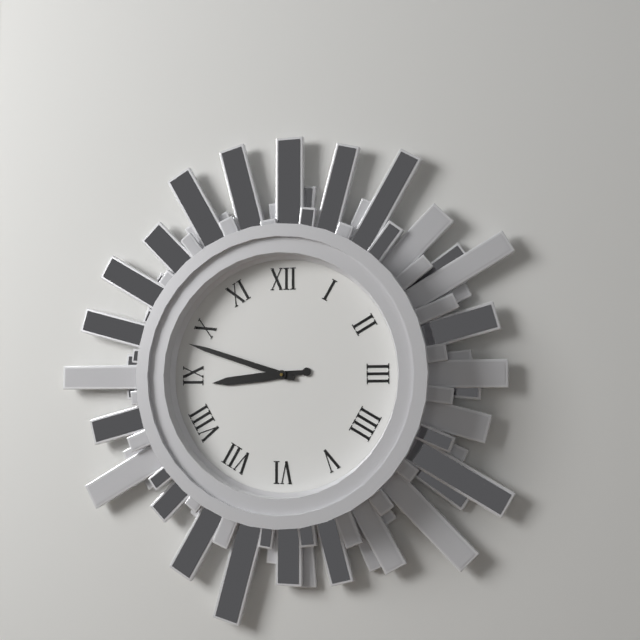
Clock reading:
8.48
